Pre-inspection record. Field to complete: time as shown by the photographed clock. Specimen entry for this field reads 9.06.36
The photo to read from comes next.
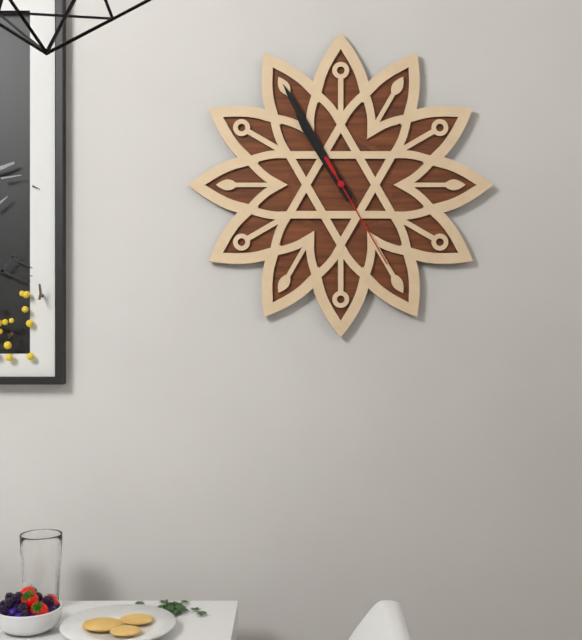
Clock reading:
10.55.25
